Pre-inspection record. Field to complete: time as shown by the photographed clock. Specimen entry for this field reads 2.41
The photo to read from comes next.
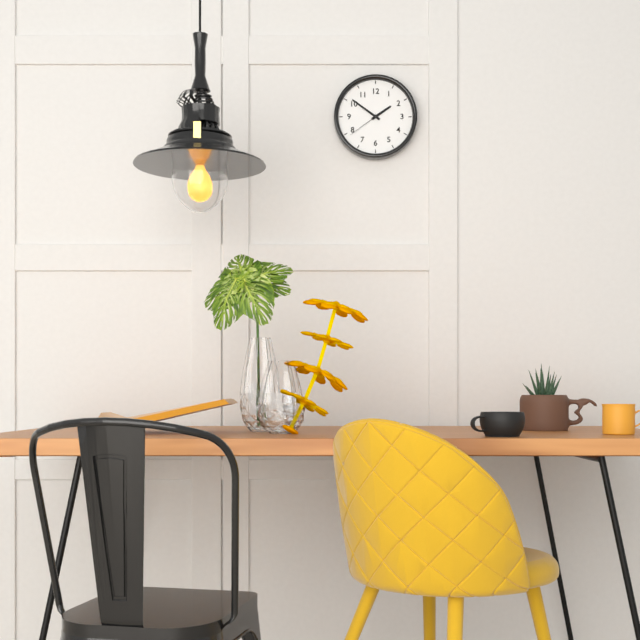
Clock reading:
1.51
